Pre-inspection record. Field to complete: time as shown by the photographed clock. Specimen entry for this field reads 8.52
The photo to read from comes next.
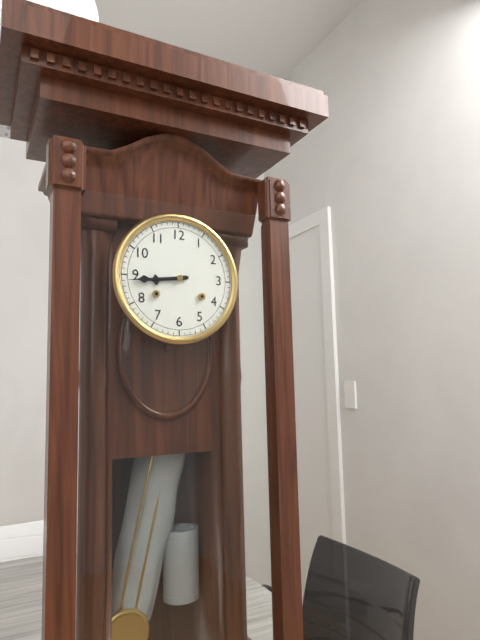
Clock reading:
8.44
